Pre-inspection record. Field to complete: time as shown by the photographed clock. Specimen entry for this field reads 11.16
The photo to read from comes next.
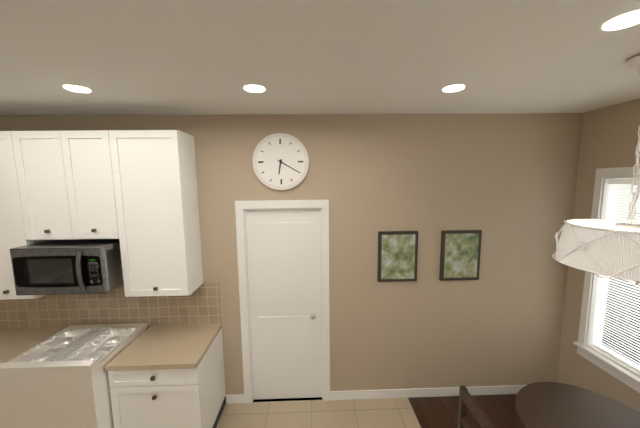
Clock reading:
6.20
